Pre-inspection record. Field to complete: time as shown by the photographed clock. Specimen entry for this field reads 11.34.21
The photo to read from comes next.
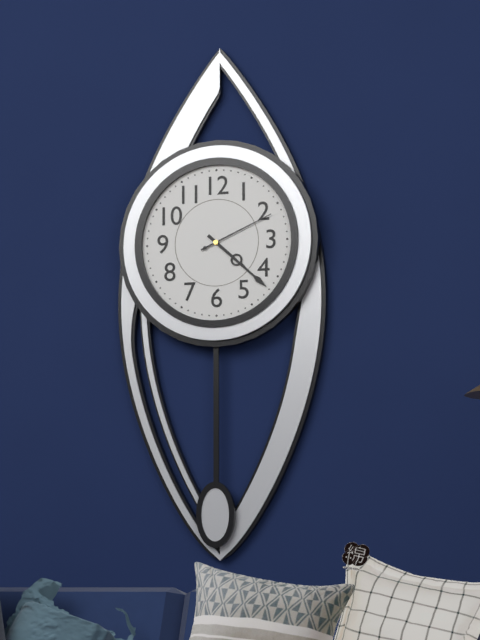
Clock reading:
4.22.11
